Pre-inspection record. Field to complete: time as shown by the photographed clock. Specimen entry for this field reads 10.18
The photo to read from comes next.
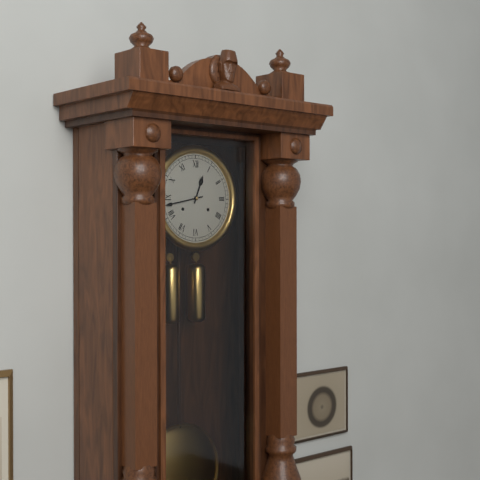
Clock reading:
12.43
